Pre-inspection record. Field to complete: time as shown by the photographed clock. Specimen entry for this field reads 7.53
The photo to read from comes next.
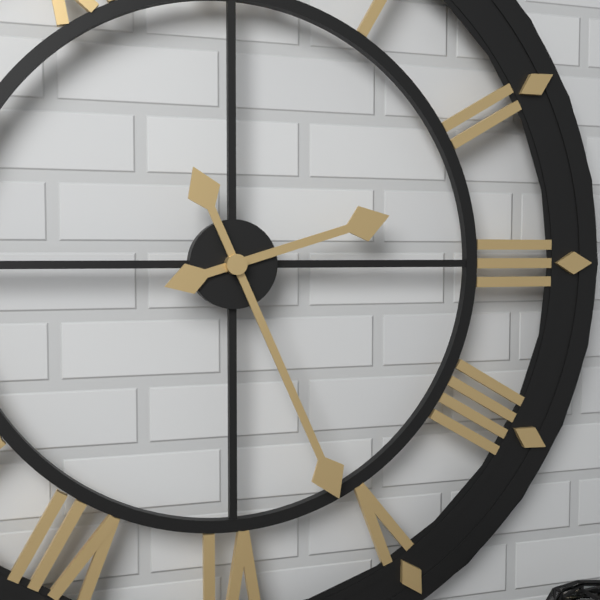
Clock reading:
2.26
